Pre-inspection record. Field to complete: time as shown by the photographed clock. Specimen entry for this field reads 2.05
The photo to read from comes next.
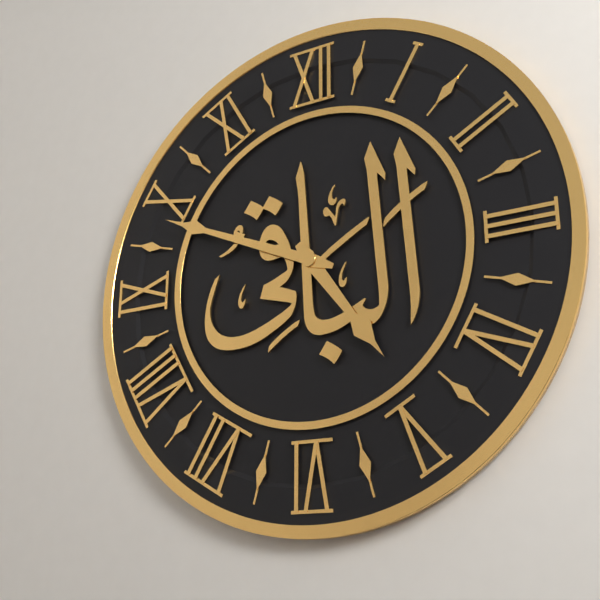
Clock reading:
4.49
